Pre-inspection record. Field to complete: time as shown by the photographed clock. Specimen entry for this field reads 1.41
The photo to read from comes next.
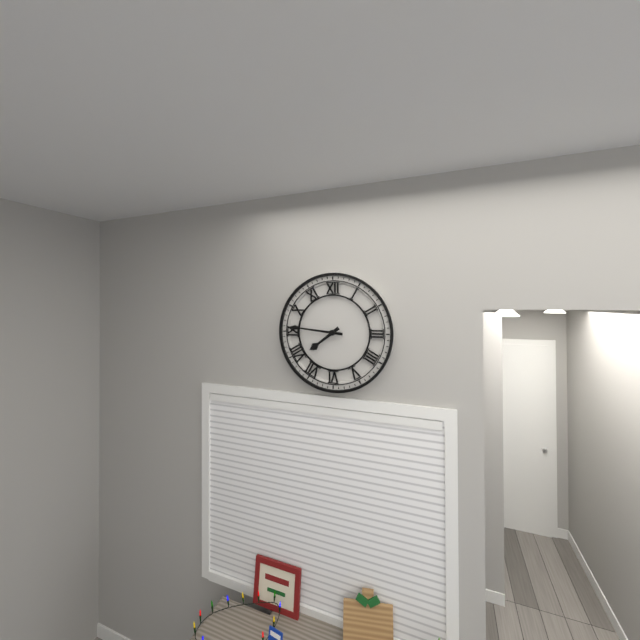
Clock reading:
7.46
